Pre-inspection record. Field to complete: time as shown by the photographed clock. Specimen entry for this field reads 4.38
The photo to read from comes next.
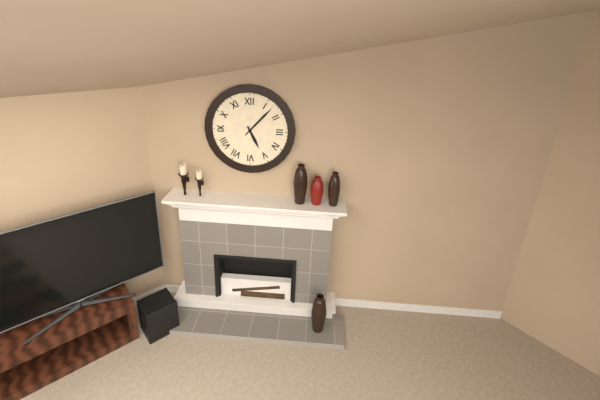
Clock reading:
5.07
